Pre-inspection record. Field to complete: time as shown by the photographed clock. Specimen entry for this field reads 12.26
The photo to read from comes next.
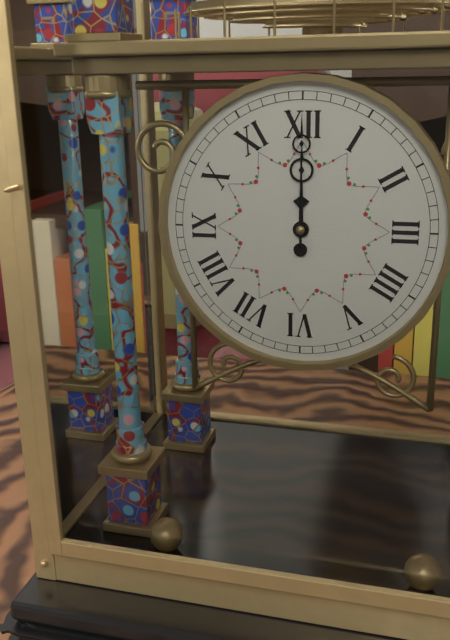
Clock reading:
12.00
